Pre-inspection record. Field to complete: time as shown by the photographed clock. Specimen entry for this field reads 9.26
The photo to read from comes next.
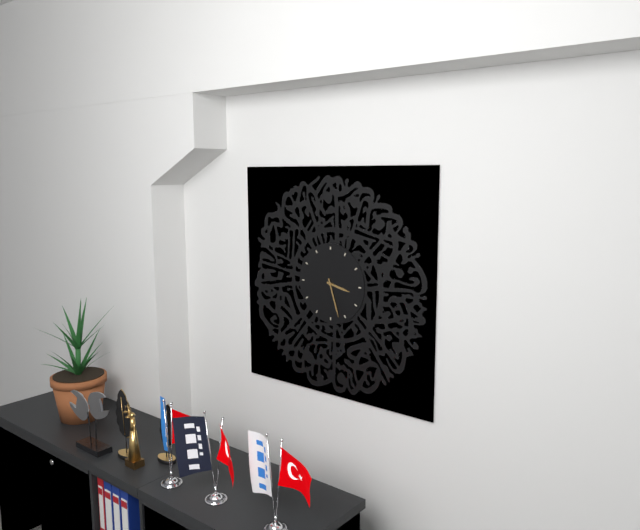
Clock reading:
3.27
